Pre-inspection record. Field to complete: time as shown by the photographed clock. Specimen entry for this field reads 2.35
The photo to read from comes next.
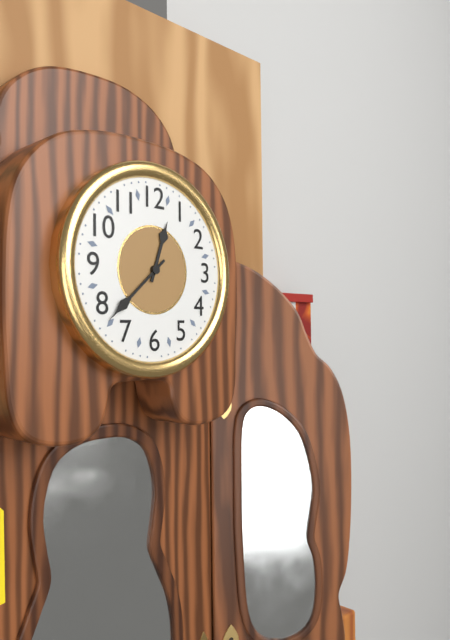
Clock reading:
12.38
